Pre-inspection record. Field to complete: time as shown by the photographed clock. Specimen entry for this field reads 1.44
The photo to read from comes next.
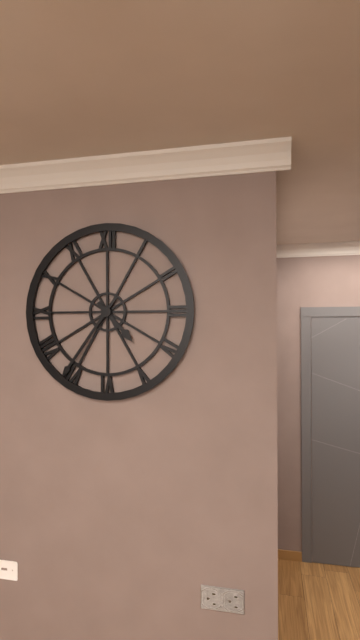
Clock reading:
4.36
